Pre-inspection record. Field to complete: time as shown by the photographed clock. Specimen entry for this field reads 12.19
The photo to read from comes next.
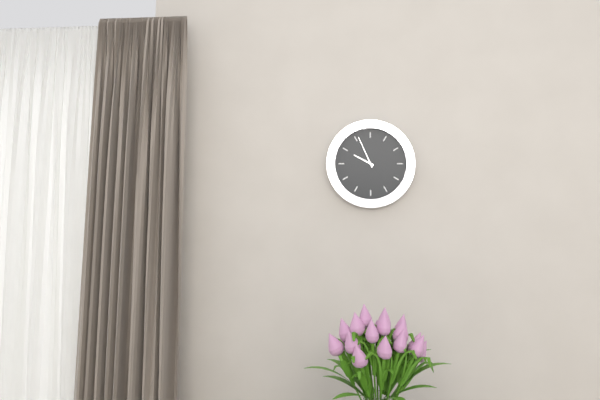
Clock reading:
9.56
